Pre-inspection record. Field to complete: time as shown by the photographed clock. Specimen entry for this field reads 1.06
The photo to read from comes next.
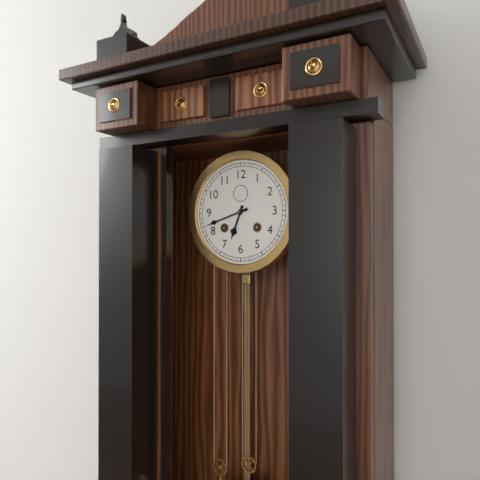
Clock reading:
6.42
